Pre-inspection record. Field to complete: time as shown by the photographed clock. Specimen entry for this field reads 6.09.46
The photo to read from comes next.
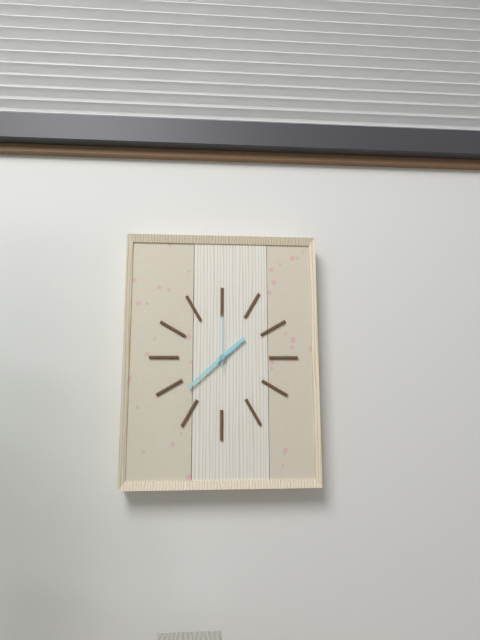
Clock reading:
1.38.00
